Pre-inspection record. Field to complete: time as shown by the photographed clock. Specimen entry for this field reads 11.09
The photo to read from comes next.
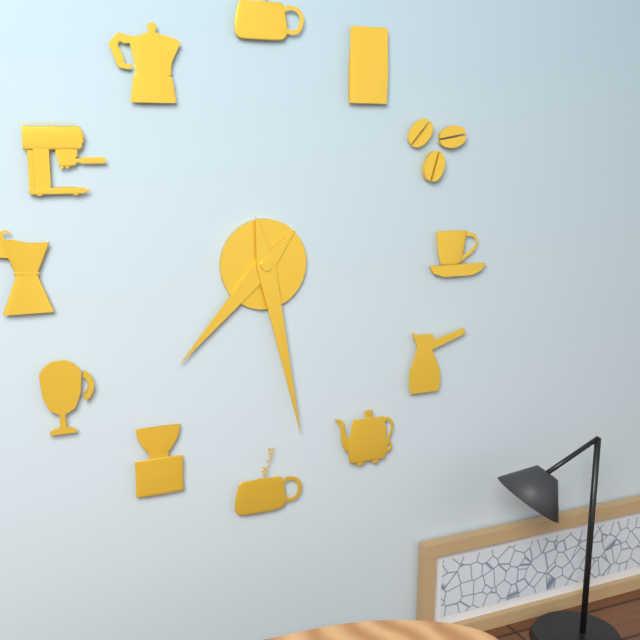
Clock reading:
7.28
